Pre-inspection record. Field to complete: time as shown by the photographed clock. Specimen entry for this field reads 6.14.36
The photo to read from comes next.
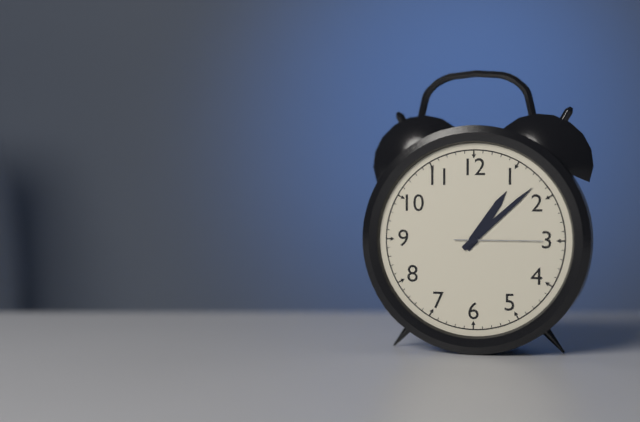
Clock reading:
1.08.15
